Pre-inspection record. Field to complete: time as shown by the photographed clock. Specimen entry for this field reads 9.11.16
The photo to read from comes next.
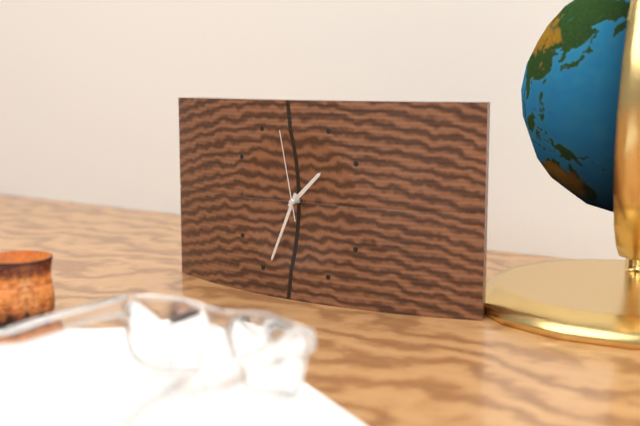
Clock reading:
1.34.58
